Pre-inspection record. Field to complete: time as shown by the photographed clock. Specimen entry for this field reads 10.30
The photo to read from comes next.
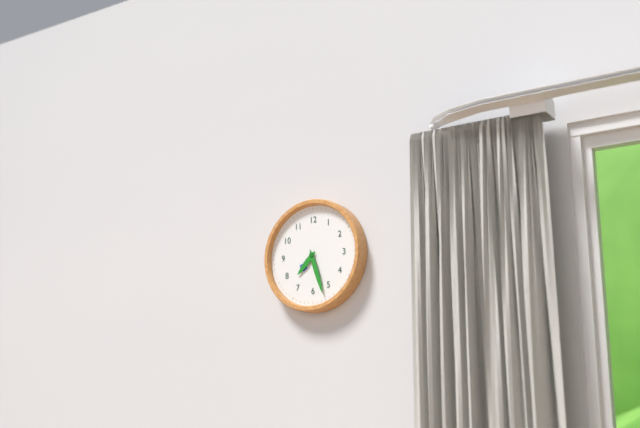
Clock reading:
7.27
